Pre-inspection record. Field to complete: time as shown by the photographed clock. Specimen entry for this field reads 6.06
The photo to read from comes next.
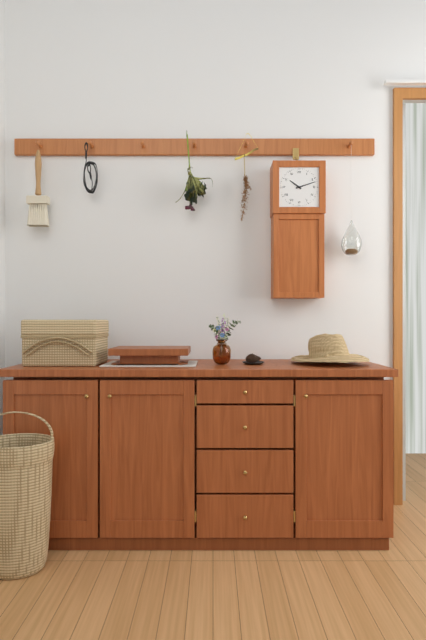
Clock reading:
10.12
